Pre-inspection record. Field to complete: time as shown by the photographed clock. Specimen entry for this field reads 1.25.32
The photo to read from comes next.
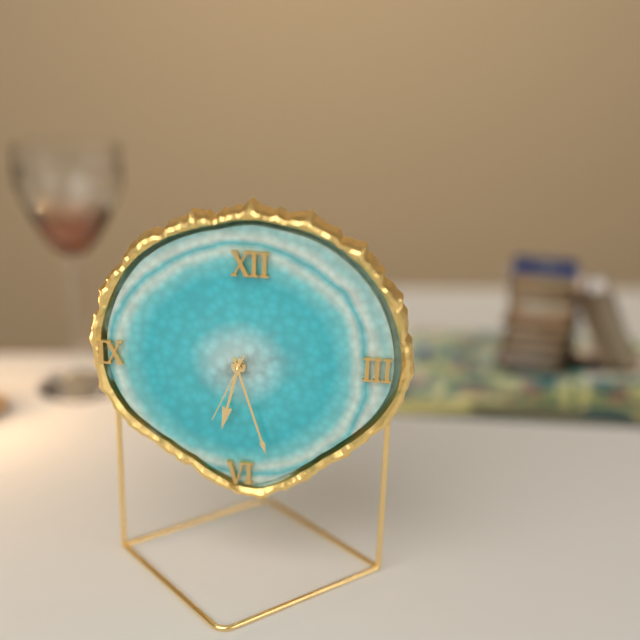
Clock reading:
6.27.34
